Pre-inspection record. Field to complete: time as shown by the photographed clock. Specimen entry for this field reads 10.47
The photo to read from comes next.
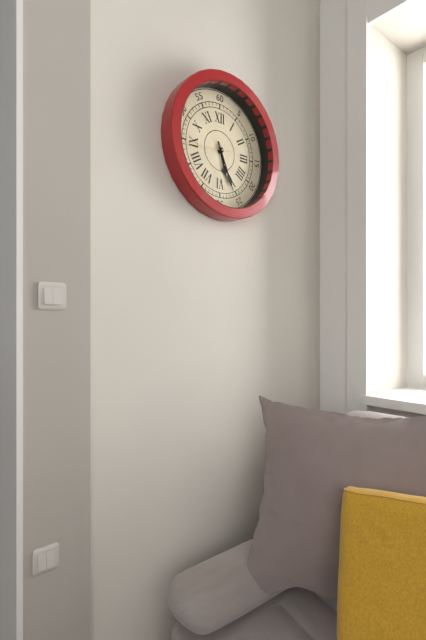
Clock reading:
5.26
